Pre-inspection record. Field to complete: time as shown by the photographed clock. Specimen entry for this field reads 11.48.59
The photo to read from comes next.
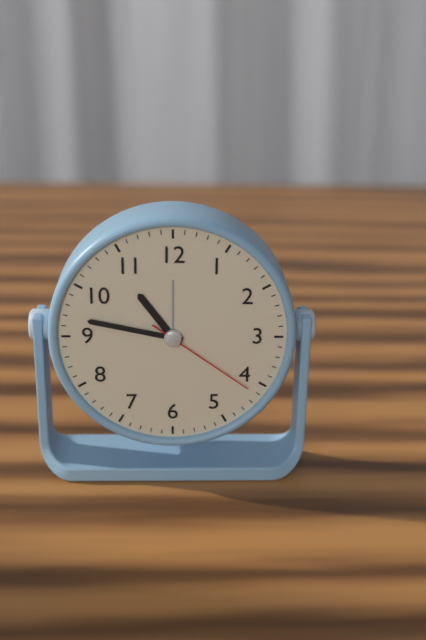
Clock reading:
10.47.21
